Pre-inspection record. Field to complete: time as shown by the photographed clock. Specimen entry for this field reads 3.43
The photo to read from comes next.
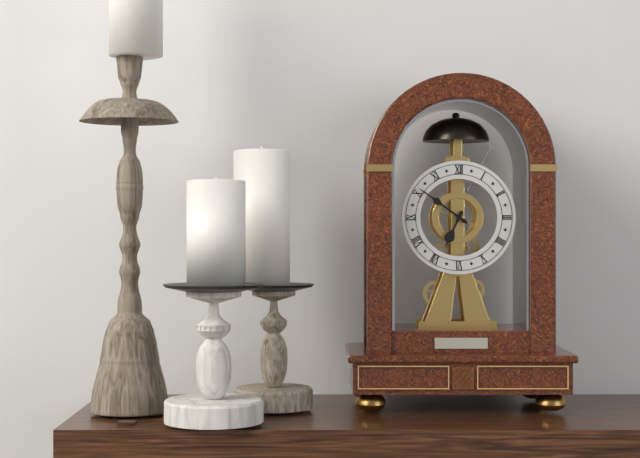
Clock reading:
6.51
